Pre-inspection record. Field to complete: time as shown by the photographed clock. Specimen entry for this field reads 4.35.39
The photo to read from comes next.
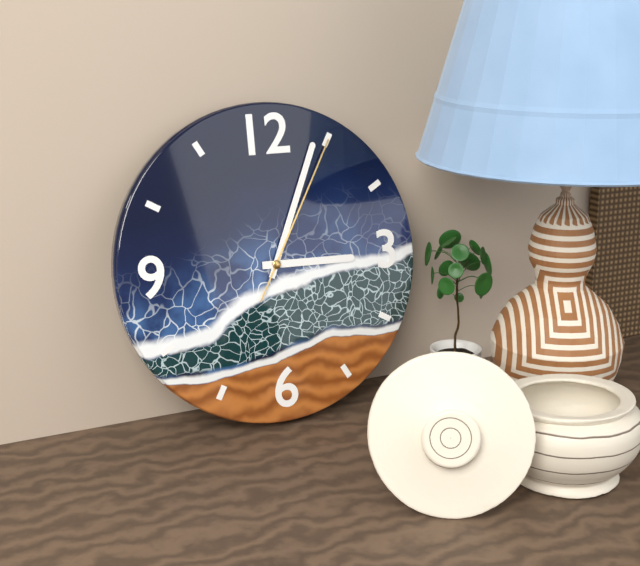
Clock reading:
3.04.05
